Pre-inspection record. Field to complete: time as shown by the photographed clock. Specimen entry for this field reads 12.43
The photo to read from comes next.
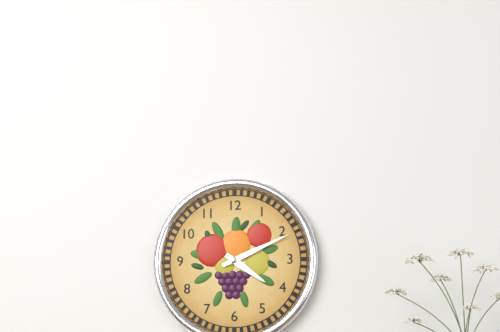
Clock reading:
4.11
